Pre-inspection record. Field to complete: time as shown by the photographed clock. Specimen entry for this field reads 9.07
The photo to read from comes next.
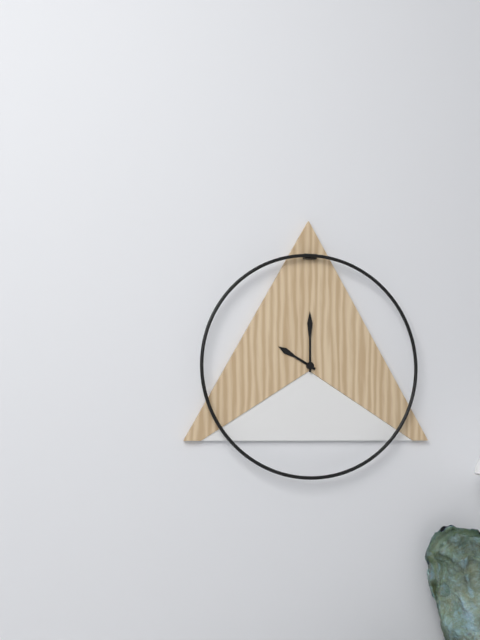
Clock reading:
10.00
